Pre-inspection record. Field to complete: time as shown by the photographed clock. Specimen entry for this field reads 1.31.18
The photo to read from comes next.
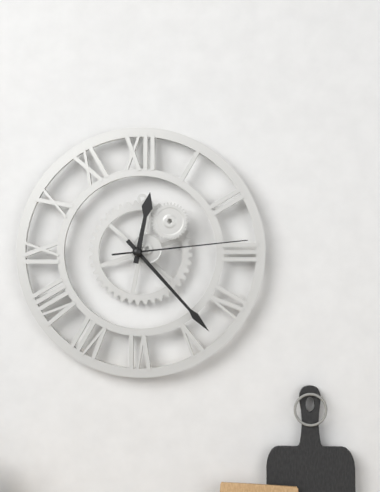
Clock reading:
12.23.14
